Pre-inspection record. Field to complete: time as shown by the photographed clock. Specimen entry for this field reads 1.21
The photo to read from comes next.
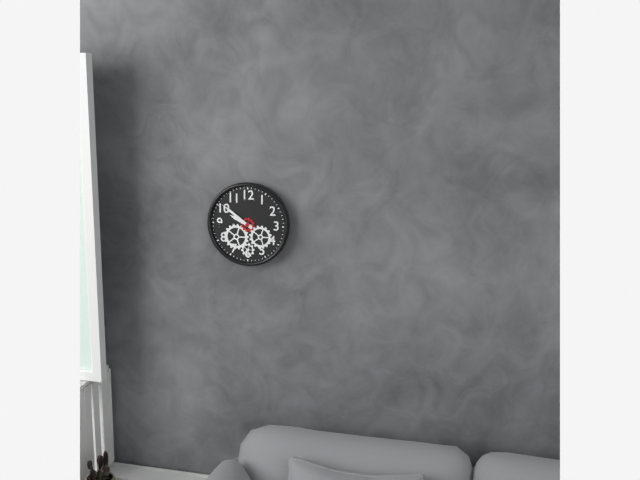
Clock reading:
9.51
